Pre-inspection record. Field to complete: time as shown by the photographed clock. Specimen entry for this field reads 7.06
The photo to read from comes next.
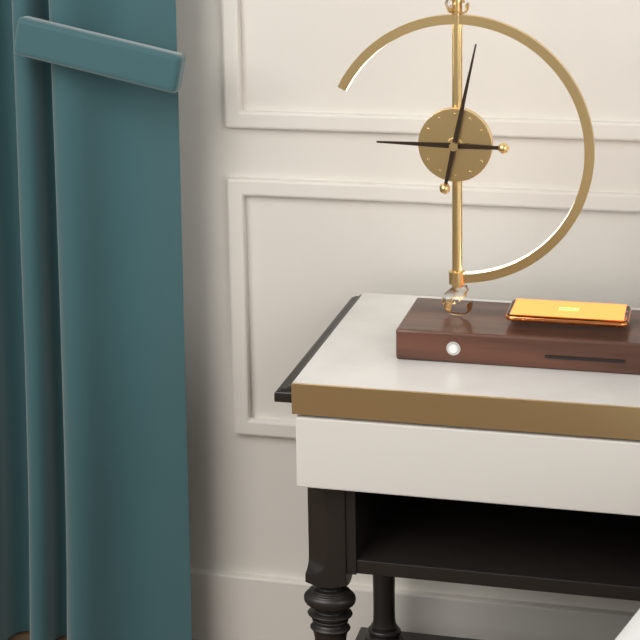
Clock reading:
9.02
